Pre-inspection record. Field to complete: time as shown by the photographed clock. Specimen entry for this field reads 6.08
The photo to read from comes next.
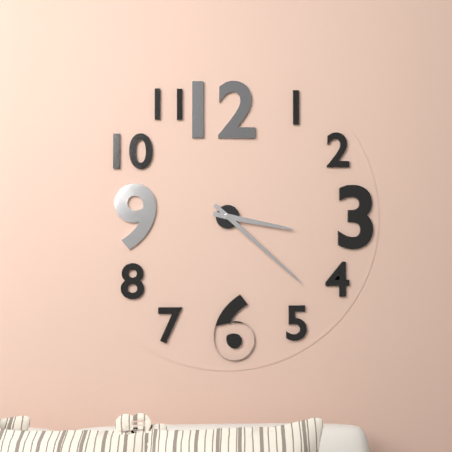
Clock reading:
3.22
